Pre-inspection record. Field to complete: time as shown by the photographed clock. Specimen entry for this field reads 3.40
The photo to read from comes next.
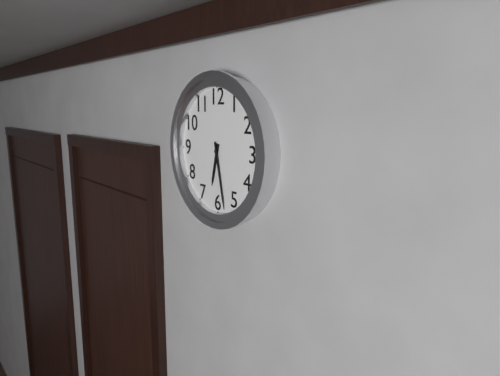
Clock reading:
6.28
